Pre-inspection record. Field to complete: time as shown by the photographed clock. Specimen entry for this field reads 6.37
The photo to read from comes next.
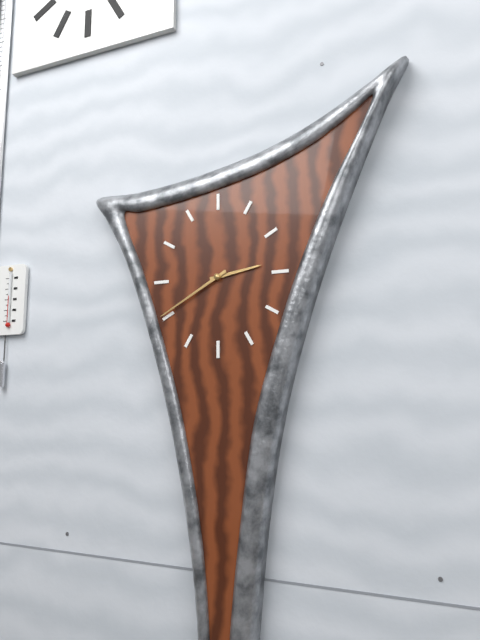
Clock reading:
2.40
